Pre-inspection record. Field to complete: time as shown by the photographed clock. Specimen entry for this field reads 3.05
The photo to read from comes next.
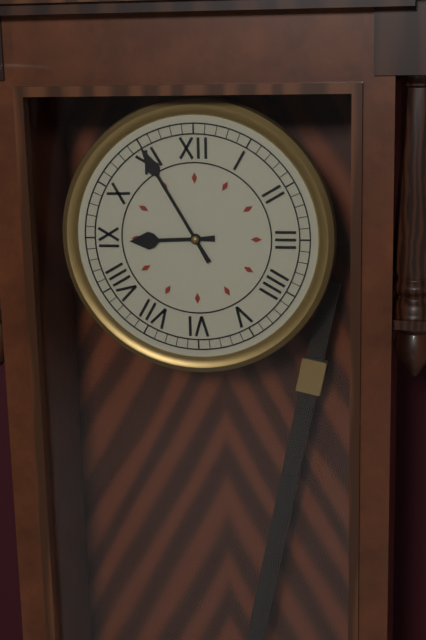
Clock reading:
8.55
